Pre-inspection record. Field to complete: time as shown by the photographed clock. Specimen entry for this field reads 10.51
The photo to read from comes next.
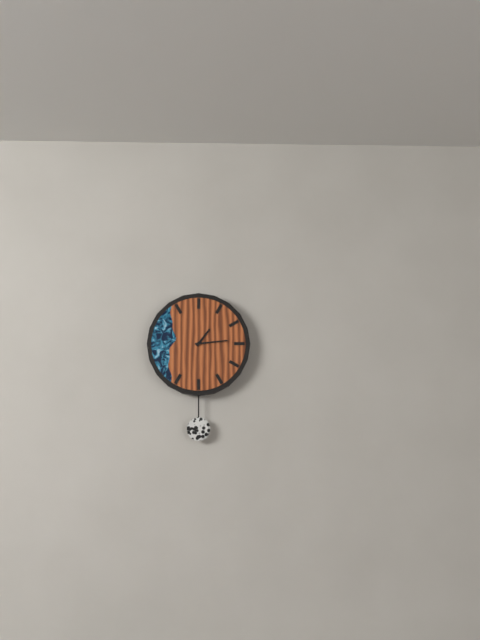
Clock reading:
1.14
